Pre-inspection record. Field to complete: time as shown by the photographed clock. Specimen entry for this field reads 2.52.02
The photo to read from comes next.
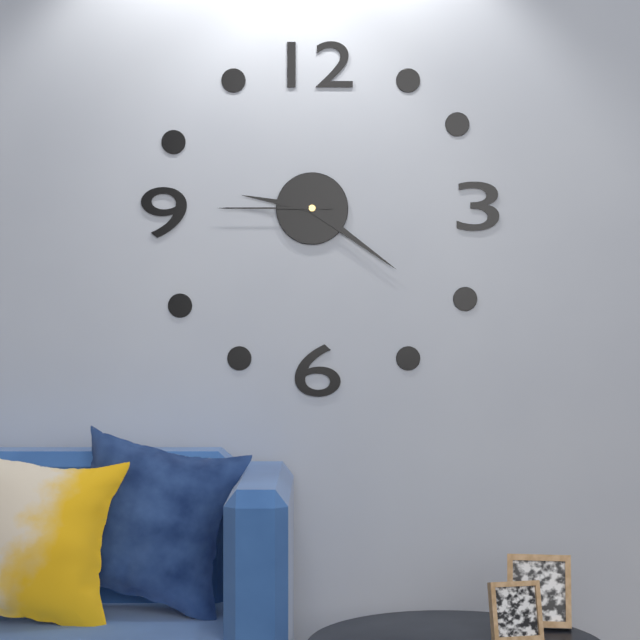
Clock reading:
9.21.45
